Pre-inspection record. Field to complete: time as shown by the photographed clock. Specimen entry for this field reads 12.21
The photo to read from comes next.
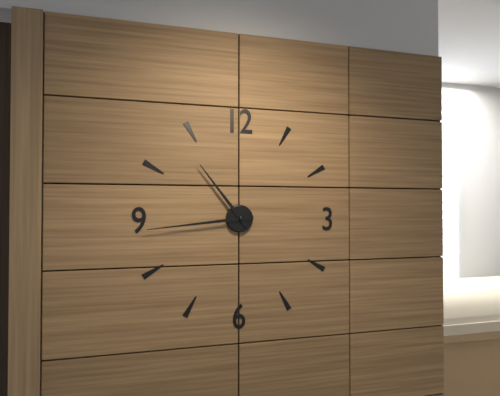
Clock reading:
10.44
